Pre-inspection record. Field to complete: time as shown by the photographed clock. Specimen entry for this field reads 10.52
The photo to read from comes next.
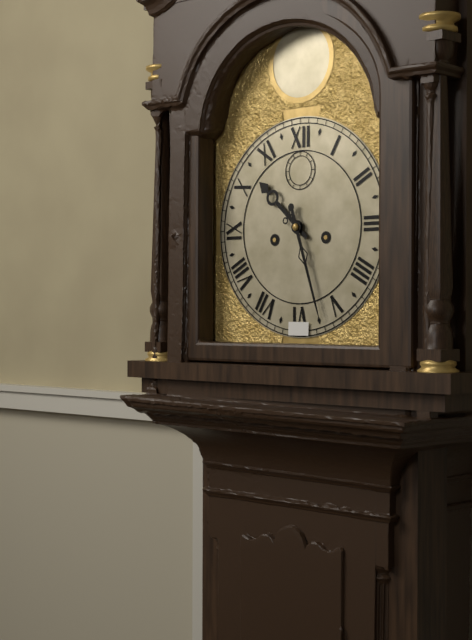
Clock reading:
10.27
